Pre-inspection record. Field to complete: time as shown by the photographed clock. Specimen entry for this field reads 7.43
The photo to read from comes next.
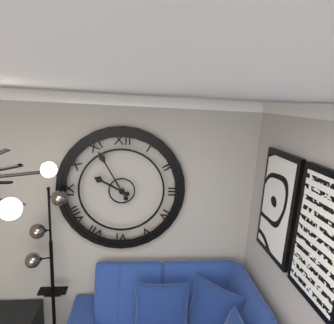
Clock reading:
9.55
